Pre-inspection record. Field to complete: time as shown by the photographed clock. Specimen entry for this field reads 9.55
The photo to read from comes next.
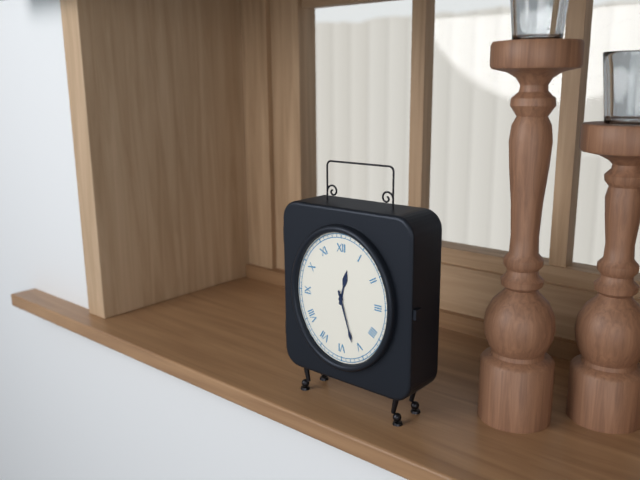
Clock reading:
12.27
